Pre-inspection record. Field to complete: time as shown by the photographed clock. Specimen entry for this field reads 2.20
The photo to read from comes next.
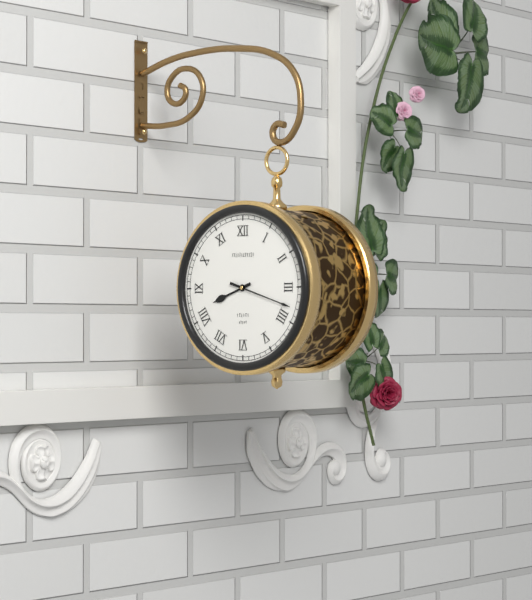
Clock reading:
8.18
